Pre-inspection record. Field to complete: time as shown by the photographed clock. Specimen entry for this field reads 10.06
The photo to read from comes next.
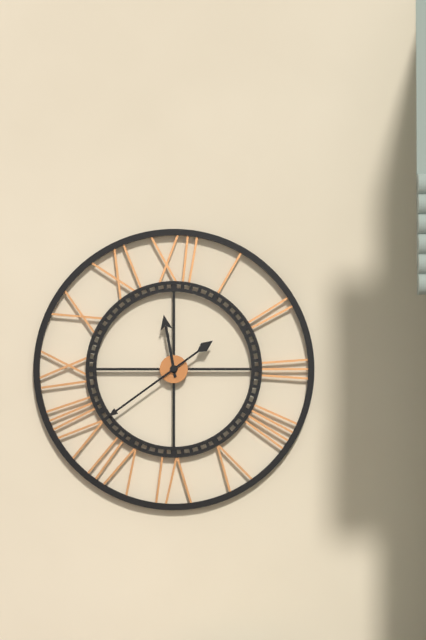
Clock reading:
11.39
